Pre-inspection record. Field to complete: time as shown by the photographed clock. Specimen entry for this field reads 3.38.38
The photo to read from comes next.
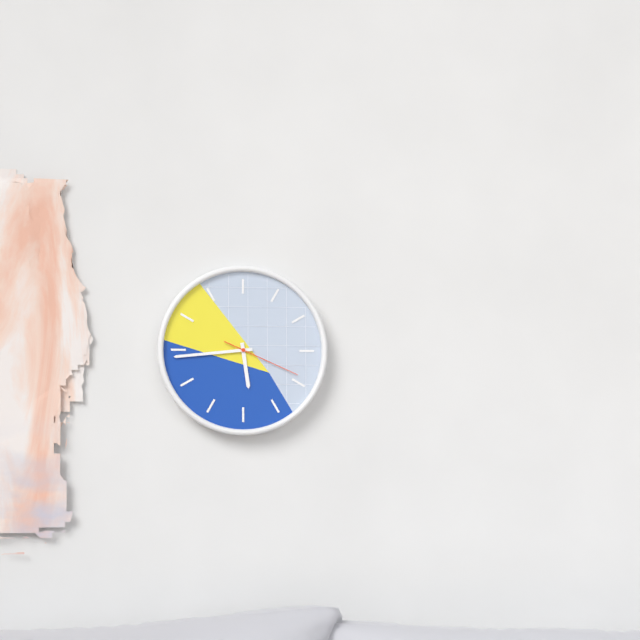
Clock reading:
5.44.19
